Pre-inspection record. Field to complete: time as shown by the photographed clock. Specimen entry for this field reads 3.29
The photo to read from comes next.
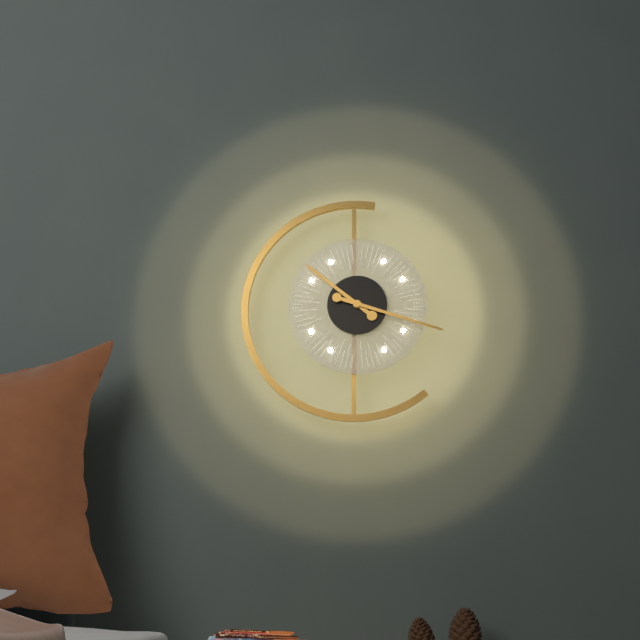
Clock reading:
10.18
